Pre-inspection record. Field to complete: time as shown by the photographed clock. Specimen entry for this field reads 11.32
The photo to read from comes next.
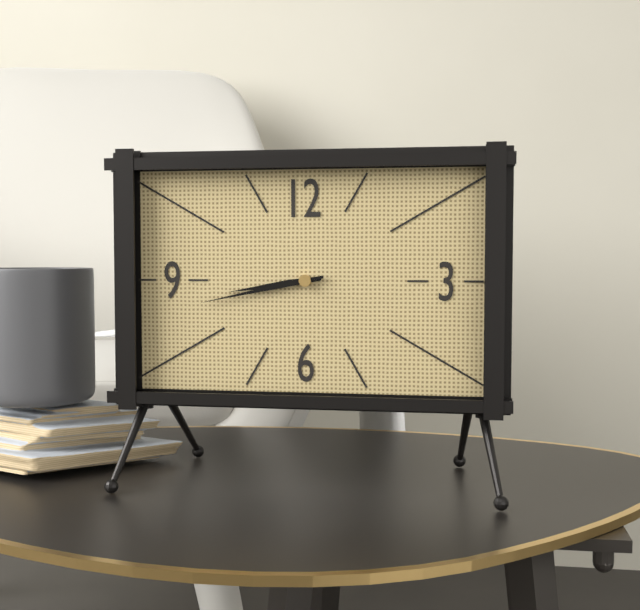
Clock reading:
8.43
